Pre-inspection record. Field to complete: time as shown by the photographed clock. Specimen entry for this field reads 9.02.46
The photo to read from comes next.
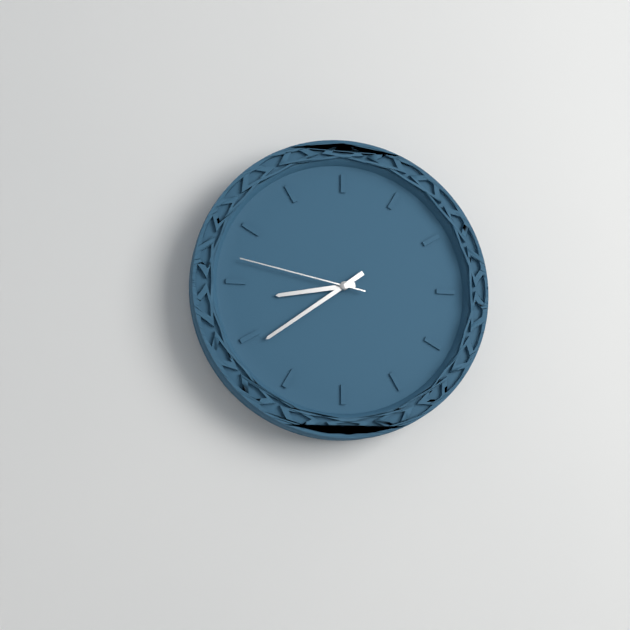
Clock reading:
8.39.47
